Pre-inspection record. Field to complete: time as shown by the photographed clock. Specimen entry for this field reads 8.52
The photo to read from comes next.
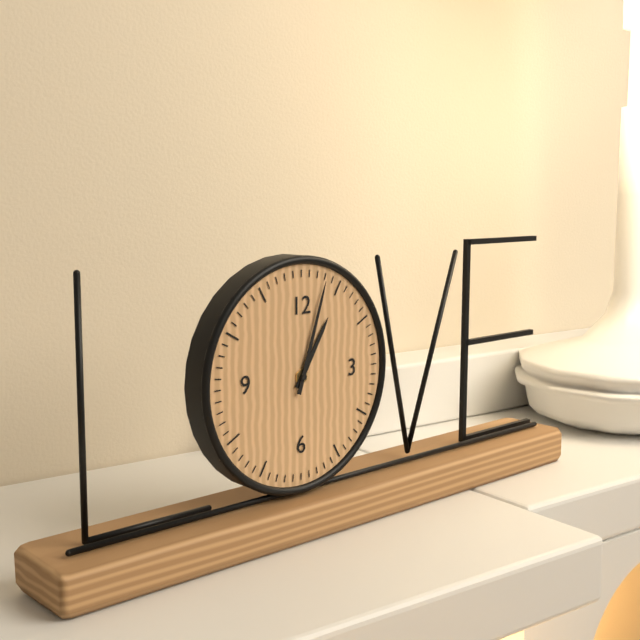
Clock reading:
1.03
